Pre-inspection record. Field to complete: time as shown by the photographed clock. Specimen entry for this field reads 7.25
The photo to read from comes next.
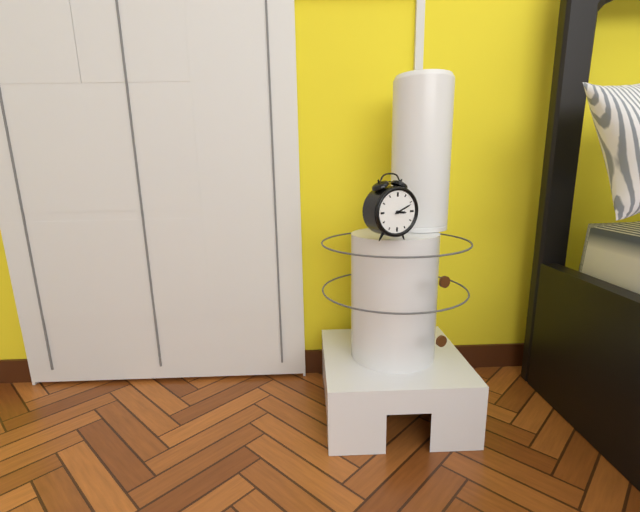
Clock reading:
3.11
